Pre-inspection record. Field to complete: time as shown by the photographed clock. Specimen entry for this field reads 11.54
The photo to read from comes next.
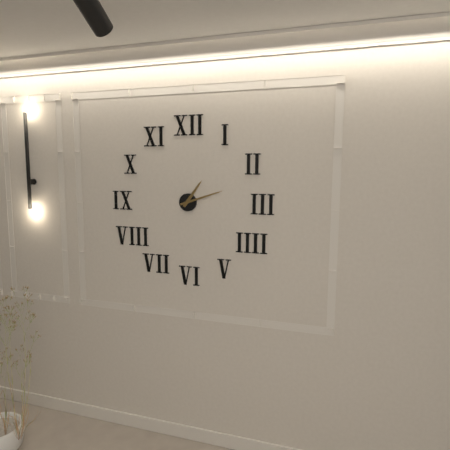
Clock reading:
1.12
